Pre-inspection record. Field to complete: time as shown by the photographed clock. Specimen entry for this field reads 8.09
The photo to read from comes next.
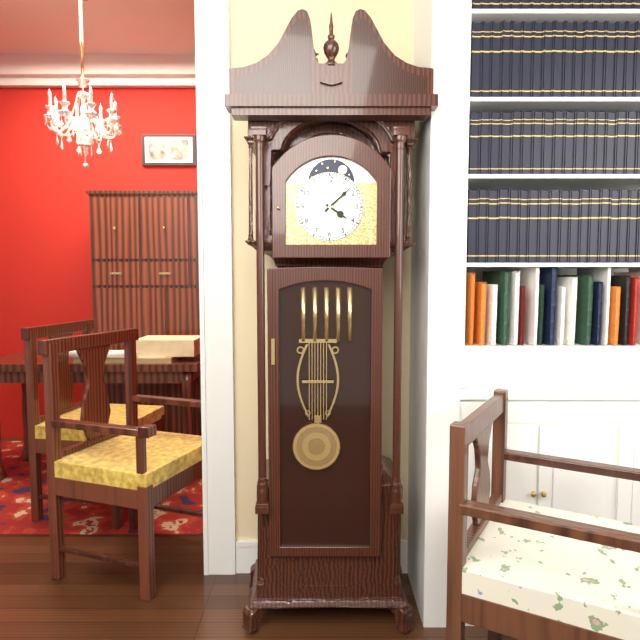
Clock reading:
4.08
